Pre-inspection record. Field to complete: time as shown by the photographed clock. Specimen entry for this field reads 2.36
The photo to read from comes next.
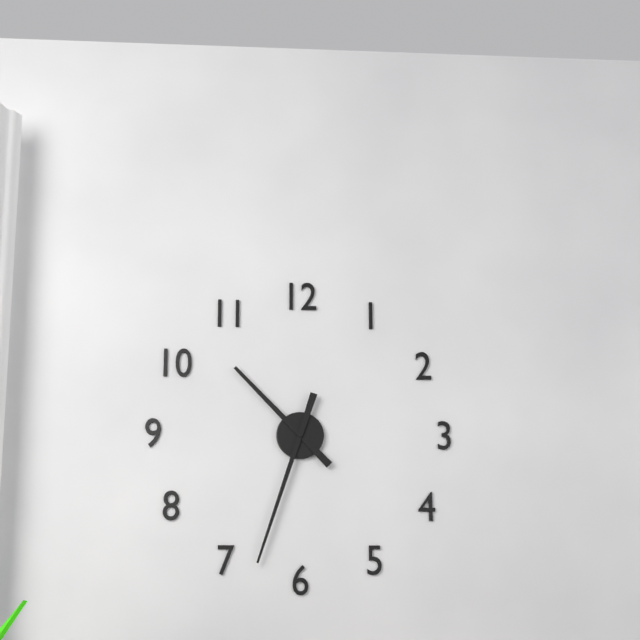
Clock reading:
10.33
